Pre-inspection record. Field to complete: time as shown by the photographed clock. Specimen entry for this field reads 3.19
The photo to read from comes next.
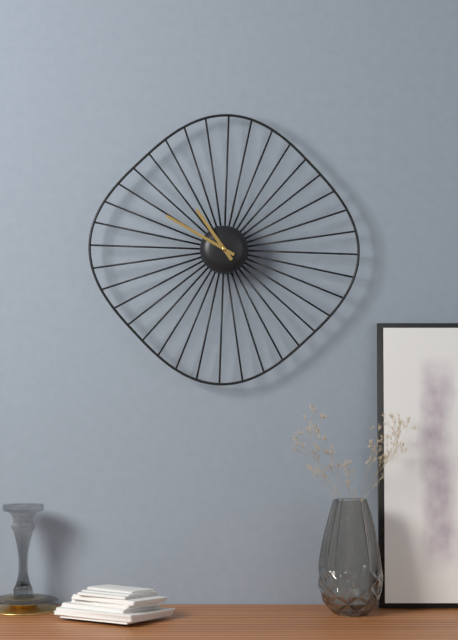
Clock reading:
10.50
